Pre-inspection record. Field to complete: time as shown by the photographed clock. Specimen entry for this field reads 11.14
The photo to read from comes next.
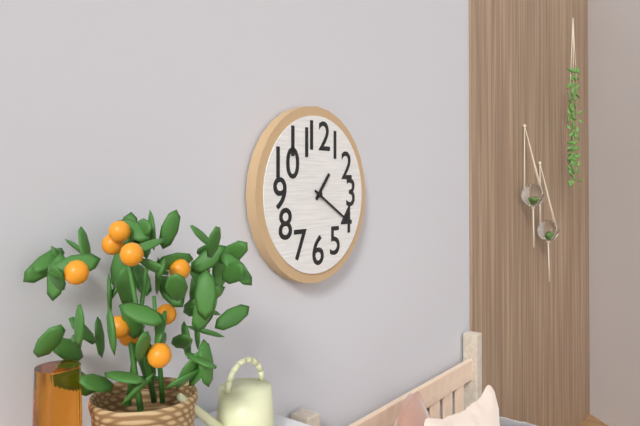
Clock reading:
1.20
